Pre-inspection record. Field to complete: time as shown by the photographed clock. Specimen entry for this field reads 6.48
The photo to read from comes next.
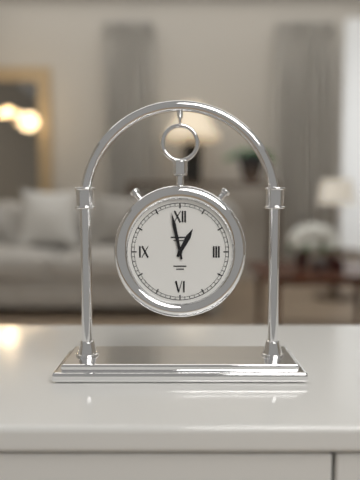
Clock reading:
12.58
